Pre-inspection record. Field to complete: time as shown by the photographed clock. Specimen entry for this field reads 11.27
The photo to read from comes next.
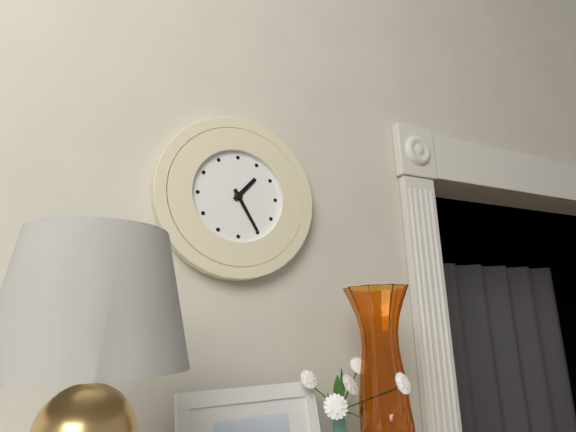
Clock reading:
1.25
